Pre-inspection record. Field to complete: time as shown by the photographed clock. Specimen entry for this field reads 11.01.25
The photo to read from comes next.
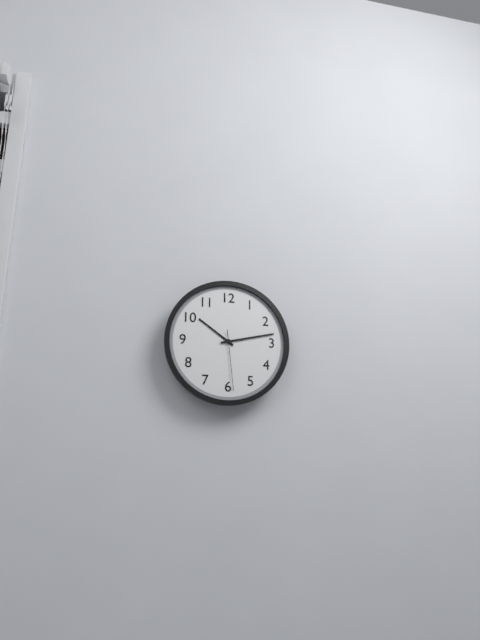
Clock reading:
10.13.29
